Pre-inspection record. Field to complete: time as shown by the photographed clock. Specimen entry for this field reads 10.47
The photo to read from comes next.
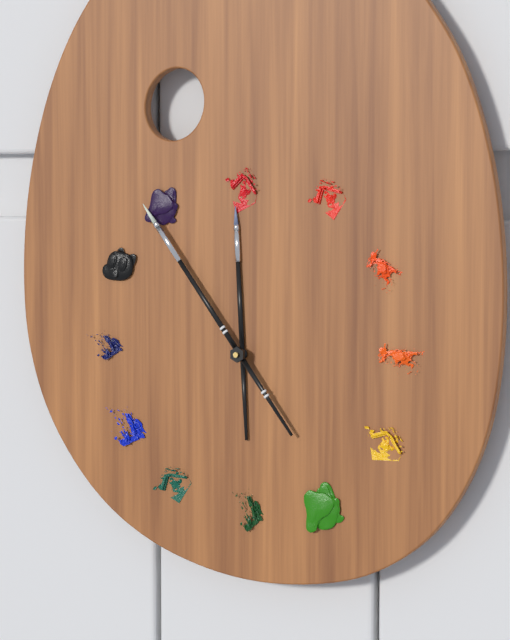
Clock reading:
11.54
